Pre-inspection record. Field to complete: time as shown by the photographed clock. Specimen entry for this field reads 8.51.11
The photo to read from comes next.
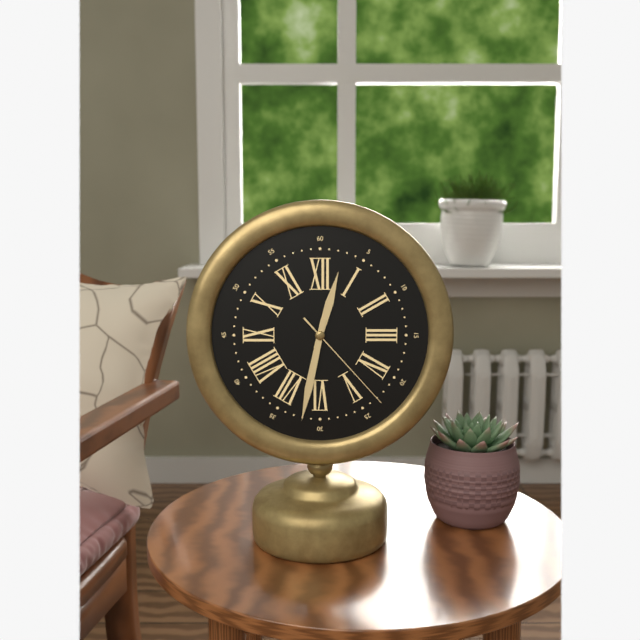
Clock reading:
12.32.23
